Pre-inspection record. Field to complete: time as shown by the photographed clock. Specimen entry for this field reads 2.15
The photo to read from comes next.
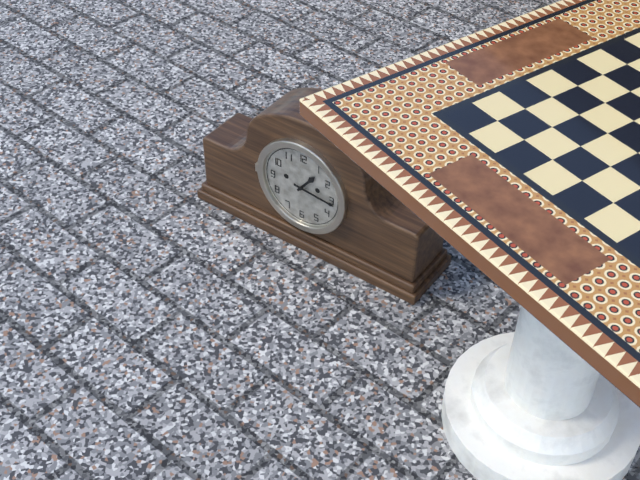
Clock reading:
1.16
